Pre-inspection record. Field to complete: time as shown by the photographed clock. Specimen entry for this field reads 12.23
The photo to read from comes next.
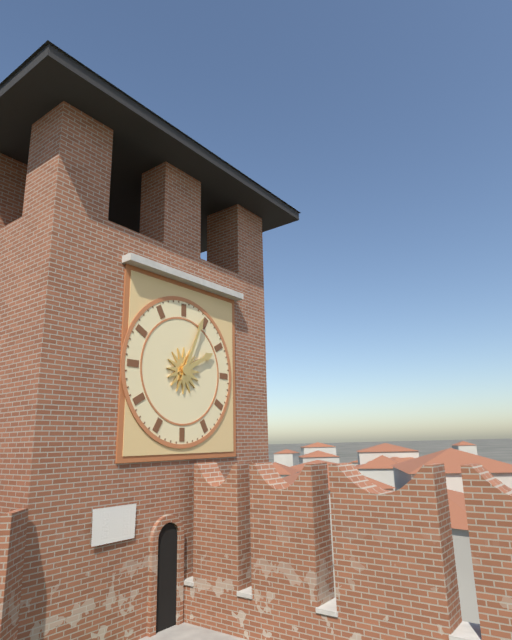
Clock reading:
2.04
